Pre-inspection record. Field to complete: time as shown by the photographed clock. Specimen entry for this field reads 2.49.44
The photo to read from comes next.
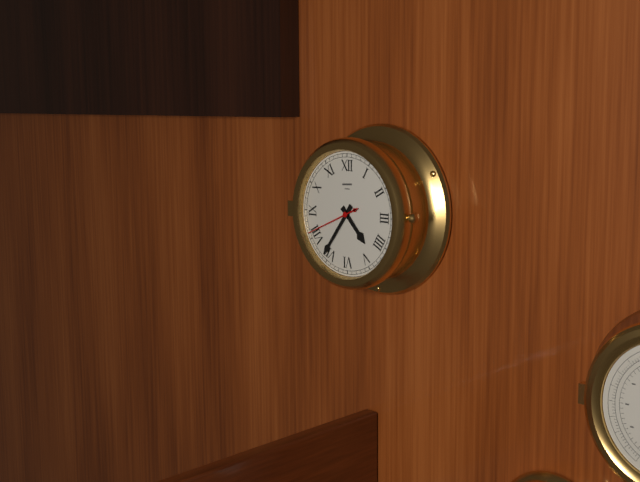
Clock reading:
4.36.41
